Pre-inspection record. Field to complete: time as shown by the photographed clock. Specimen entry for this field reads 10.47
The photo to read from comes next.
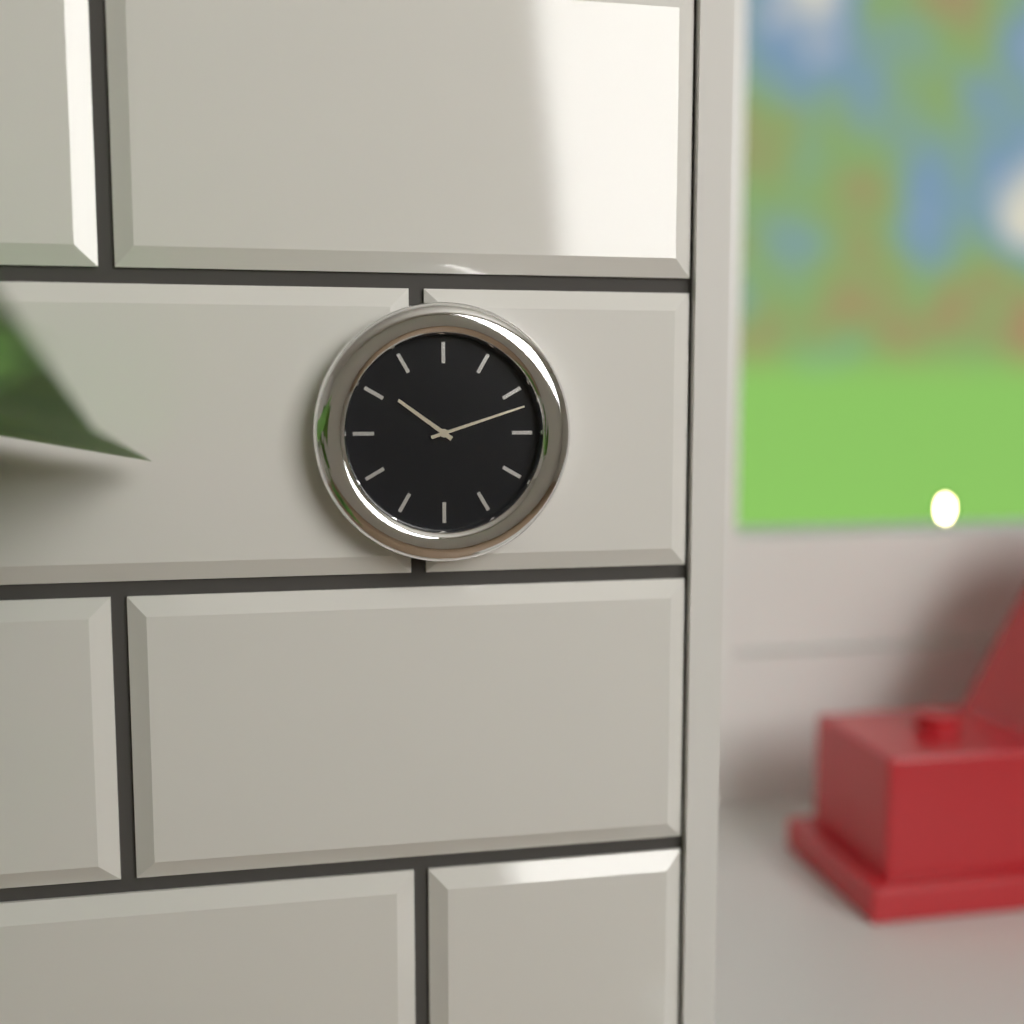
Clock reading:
10.12
